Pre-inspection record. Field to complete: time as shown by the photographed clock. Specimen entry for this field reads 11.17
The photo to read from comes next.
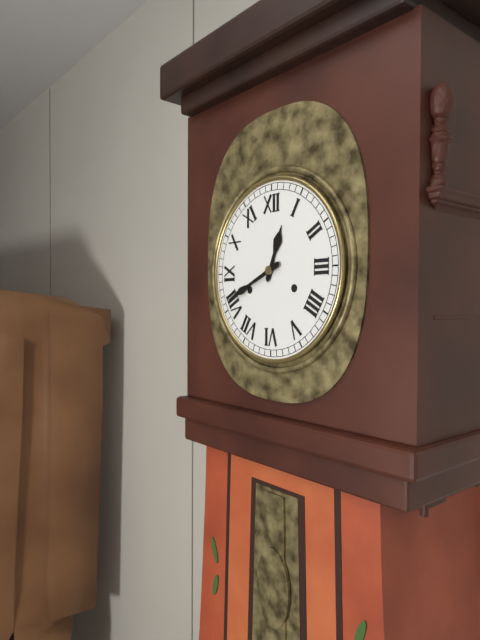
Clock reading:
12.41
